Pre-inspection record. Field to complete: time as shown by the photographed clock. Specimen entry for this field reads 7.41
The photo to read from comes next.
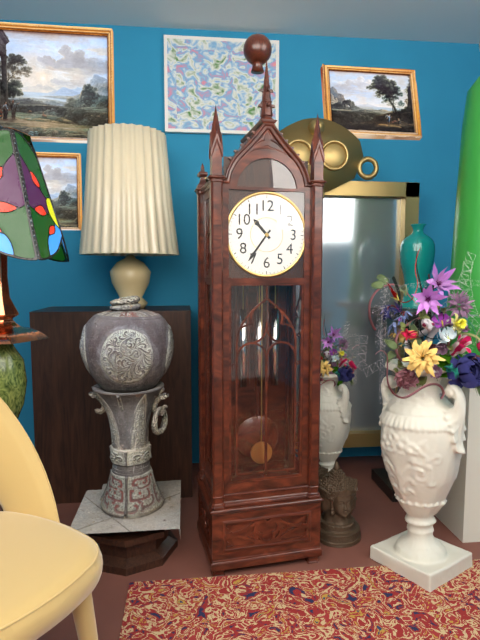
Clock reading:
10.36
